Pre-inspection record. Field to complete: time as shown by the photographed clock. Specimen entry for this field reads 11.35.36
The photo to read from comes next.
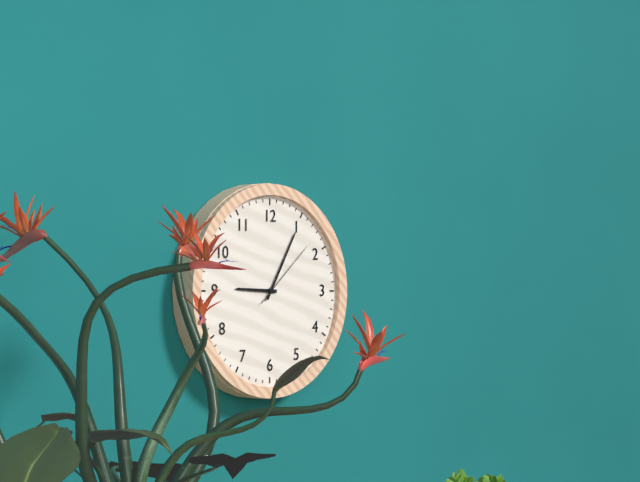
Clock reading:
9.05.08
